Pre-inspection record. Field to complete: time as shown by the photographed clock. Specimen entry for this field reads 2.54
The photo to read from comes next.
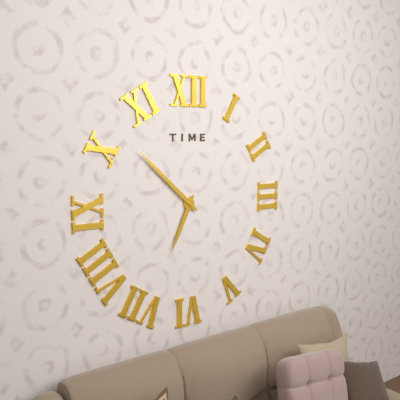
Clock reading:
6.52
